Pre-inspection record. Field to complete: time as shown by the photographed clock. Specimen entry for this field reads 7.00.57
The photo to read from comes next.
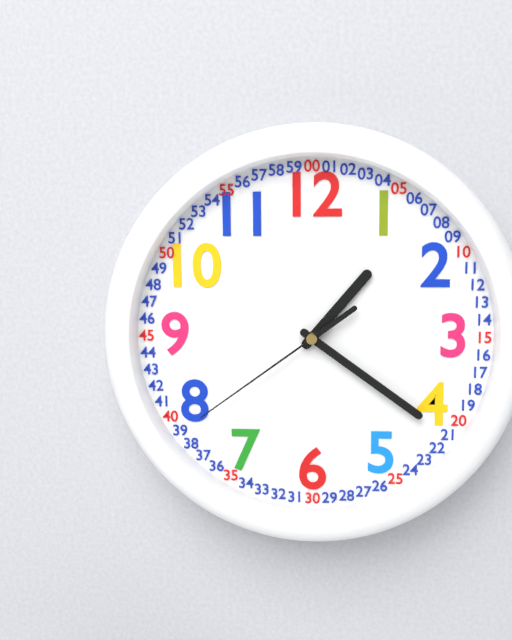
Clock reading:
1.21.39
